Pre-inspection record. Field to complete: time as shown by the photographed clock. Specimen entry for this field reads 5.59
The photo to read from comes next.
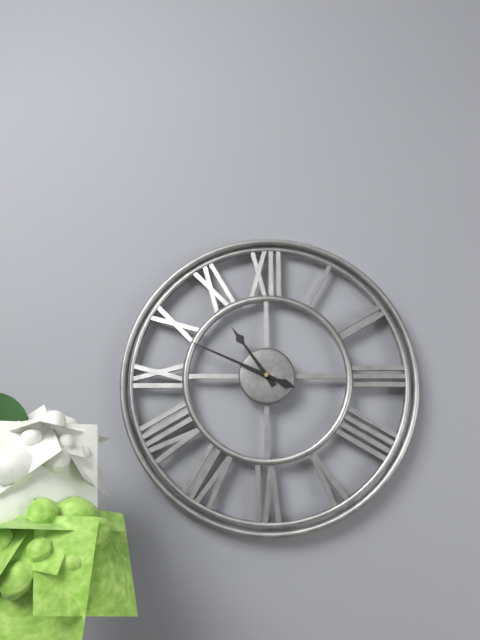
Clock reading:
10.49
